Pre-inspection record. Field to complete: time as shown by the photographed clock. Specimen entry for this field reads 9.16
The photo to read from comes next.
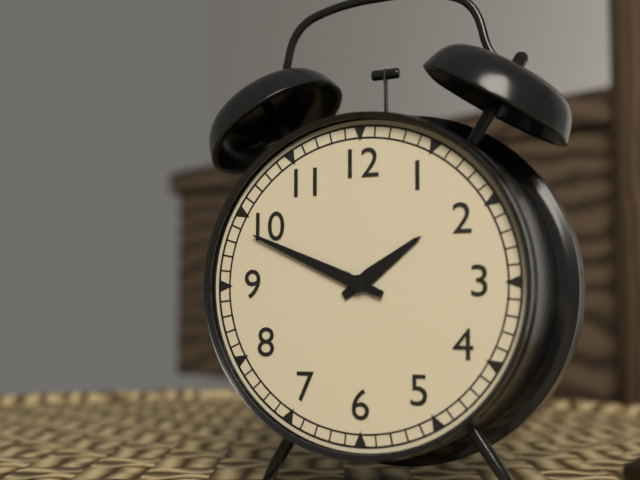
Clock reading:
1.49
